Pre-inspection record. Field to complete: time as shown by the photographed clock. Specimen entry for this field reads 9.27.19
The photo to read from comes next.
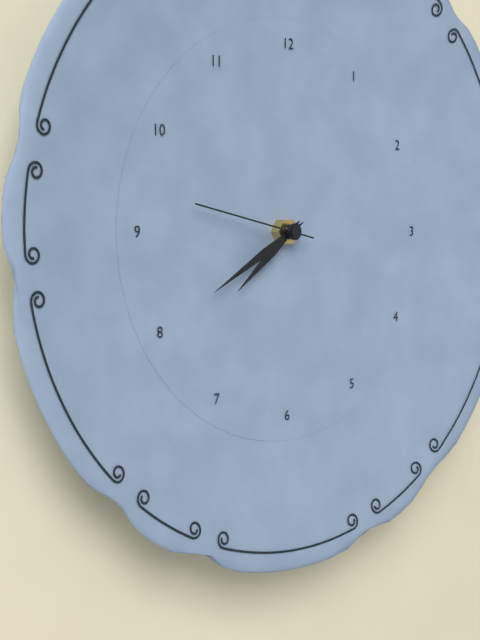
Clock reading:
7.40.47
